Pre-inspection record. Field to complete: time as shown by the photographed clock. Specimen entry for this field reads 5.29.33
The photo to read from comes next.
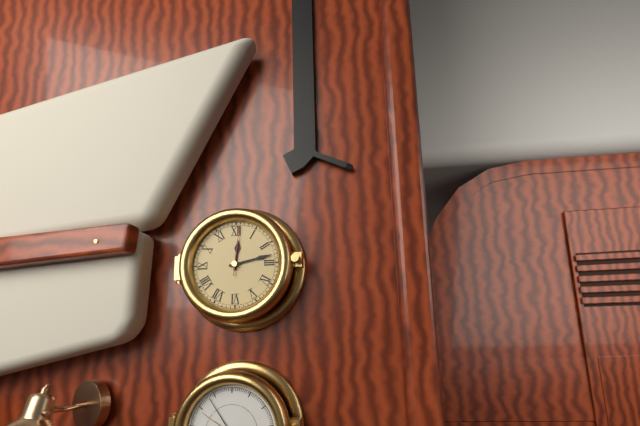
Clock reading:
12.13.01
